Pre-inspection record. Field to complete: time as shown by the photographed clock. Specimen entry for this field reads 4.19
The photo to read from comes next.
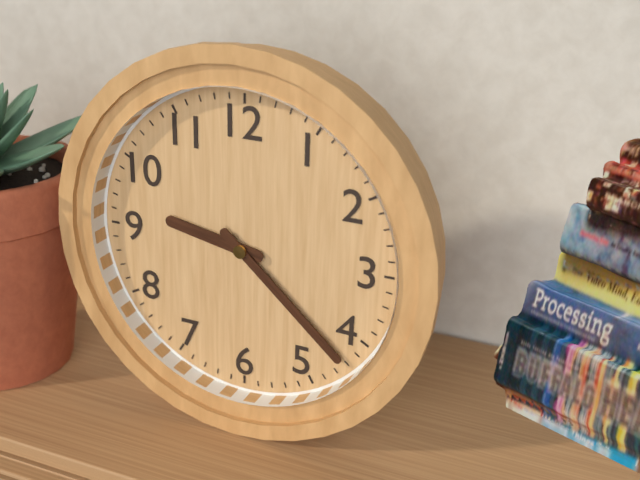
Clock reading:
9.22
